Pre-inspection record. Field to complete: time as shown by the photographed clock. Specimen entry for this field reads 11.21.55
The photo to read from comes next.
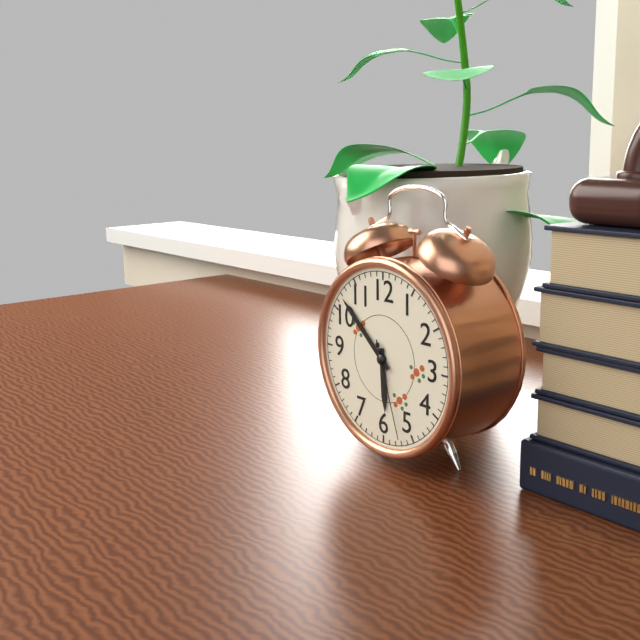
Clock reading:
5.52.27
